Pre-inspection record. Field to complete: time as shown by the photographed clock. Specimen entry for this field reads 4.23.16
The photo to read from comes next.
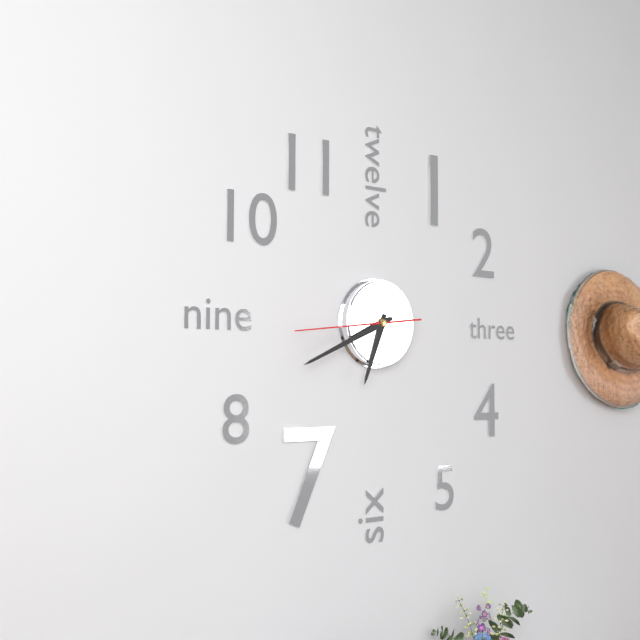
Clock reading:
6.41.44
